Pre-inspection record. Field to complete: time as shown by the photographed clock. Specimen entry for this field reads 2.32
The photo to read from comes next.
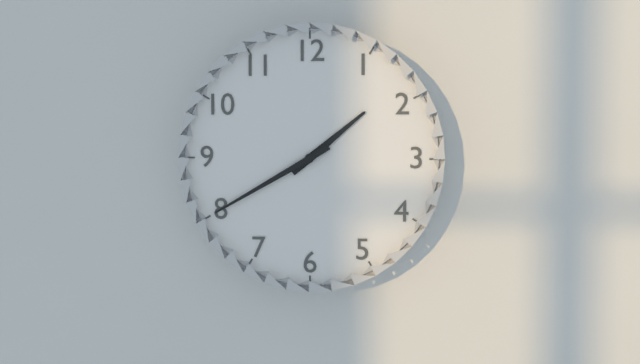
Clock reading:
1.40
